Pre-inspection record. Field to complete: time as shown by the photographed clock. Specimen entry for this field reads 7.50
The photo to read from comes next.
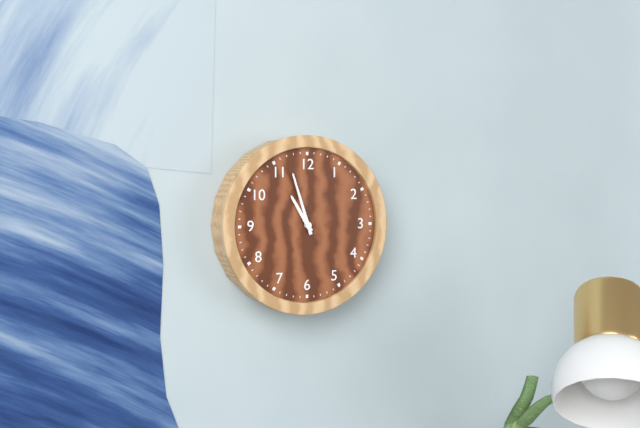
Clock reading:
10.57
